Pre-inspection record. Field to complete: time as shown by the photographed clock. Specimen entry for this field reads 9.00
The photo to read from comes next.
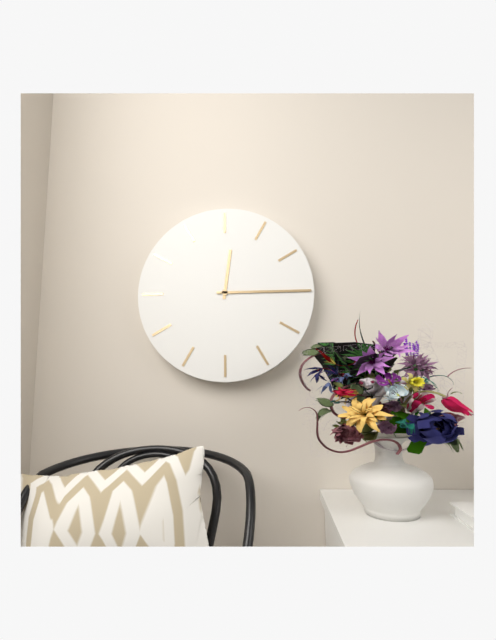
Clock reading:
12.15
